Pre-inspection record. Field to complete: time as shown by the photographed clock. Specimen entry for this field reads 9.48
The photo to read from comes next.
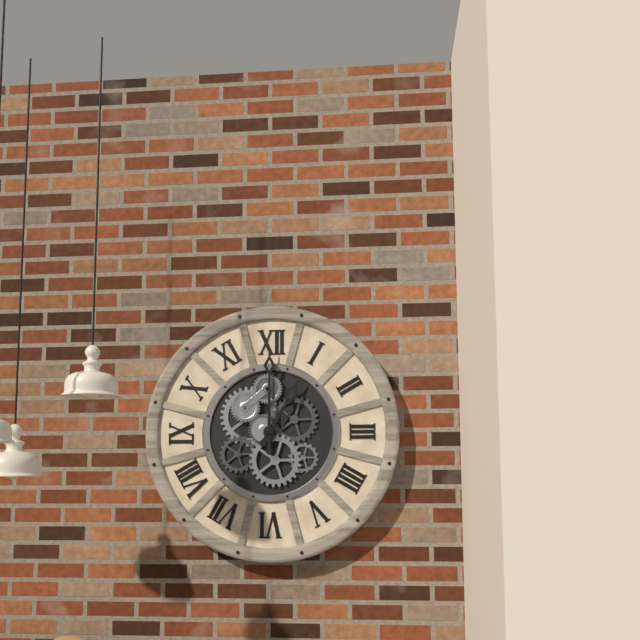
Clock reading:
1.00
